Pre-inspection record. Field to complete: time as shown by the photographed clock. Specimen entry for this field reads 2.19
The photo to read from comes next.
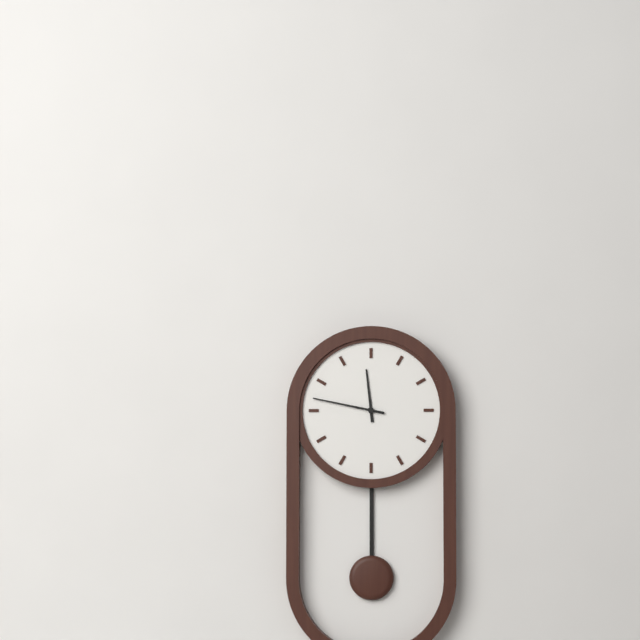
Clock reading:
11.47
